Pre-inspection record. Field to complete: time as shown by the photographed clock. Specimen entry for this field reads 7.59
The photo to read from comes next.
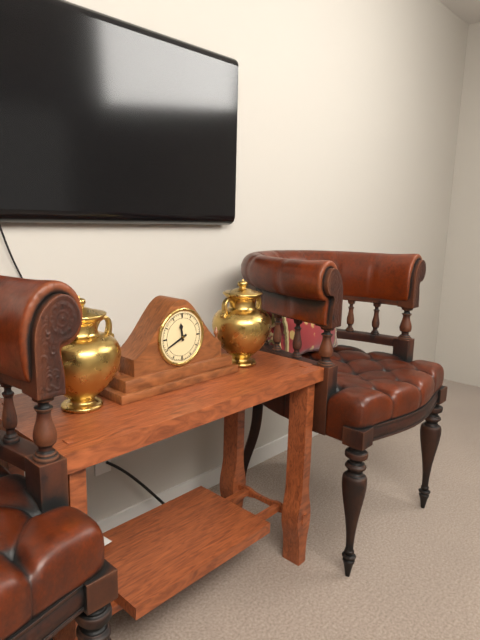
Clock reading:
11.41
